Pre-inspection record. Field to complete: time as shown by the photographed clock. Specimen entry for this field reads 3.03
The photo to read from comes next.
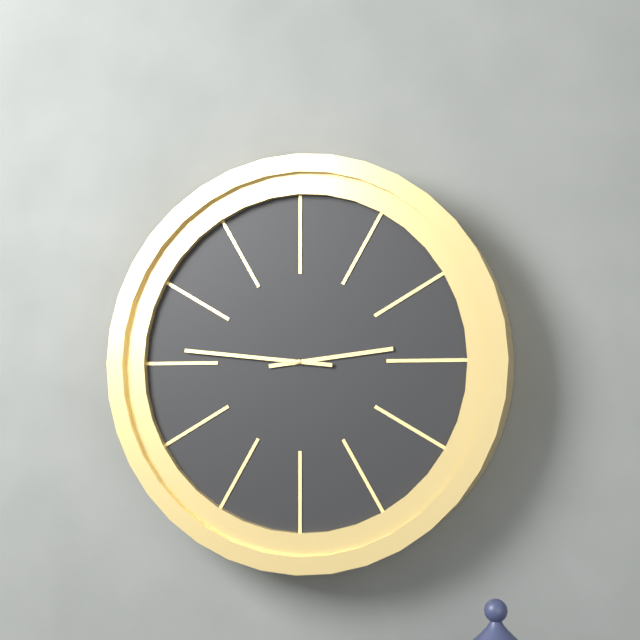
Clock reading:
2.46
